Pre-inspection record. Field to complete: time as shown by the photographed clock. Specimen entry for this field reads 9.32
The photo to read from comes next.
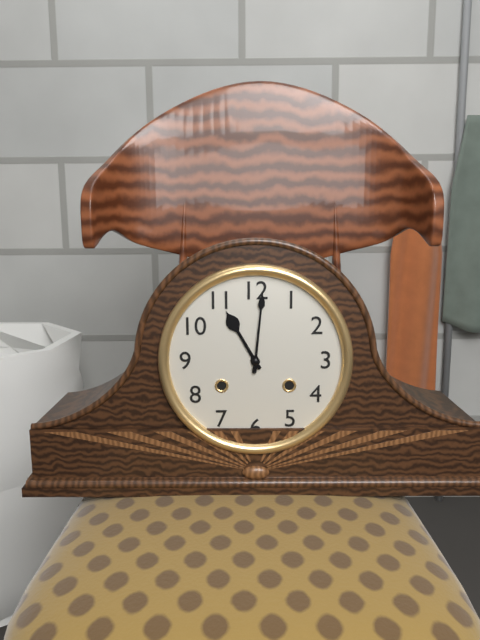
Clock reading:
11.01
